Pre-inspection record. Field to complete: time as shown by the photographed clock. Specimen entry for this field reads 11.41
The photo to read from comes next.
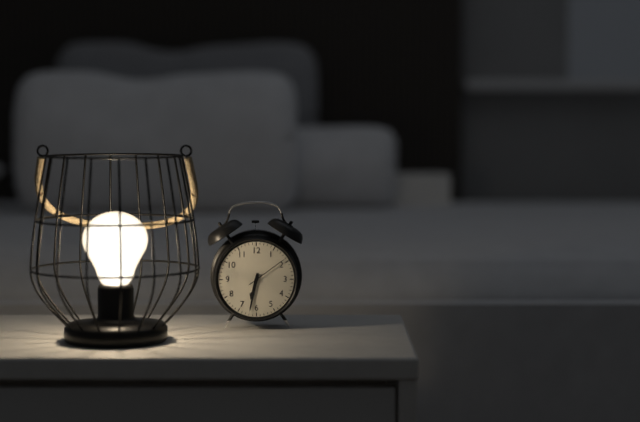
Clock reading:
6.32
